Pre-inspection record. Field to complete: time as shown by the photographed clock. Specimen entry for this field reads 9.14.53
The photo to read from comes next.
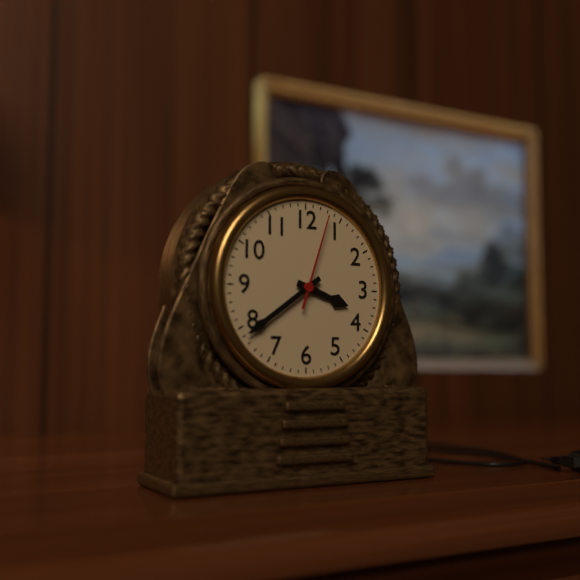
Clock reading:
3.39.03
